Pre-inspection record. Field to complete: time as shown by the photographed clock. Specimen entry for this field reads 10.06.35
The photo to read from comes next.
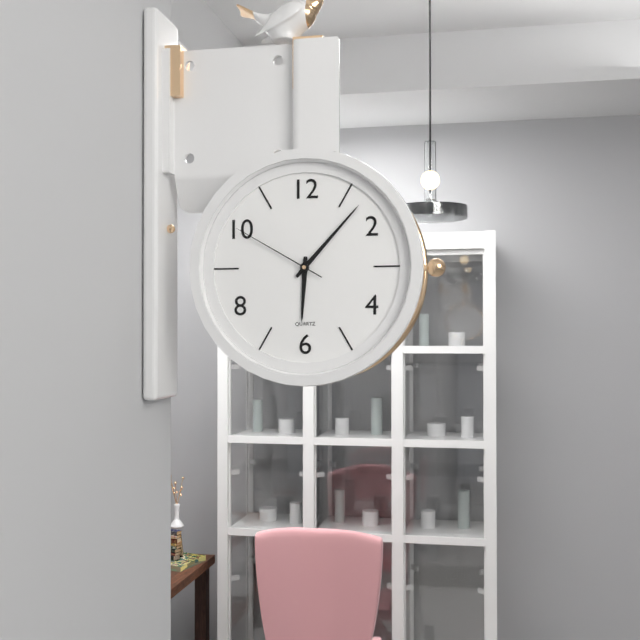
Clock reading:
6.07.50
